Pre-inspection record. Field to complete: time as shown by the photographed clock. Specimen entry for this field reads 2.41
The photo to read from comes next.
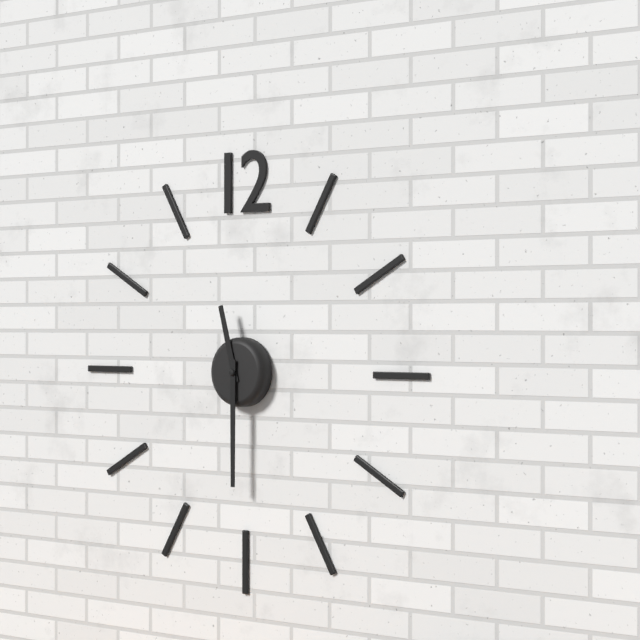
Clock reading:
11.30
